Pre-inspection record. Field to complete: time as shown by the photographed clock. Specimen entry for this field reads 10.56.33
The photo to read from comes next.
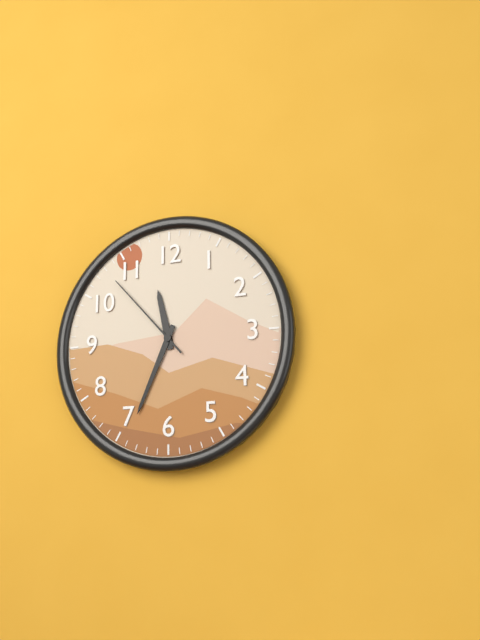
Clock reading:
11.34.53
